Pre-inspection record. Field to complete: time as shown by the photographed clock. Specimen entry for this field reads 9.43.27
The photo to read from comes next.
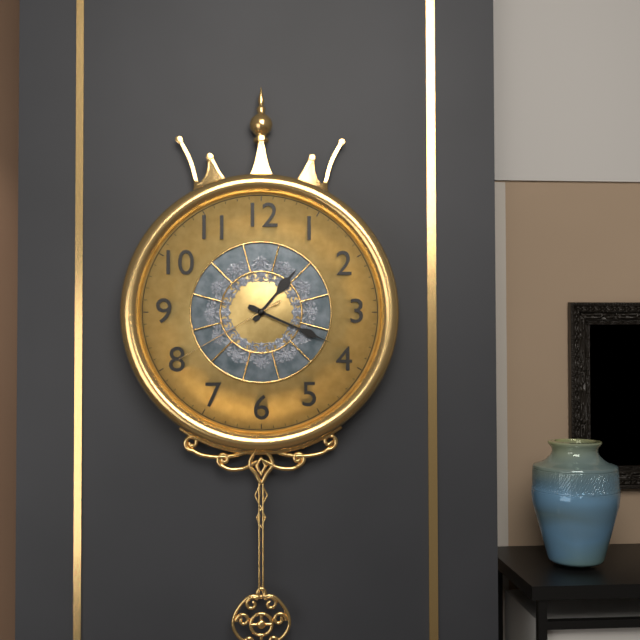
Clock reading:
1.19.40
